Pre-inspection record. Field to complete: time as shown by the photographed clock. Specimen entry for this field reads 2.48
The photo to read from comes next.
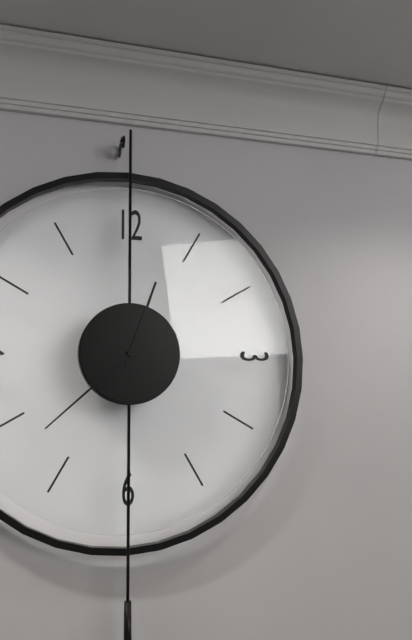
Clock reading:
12.38
